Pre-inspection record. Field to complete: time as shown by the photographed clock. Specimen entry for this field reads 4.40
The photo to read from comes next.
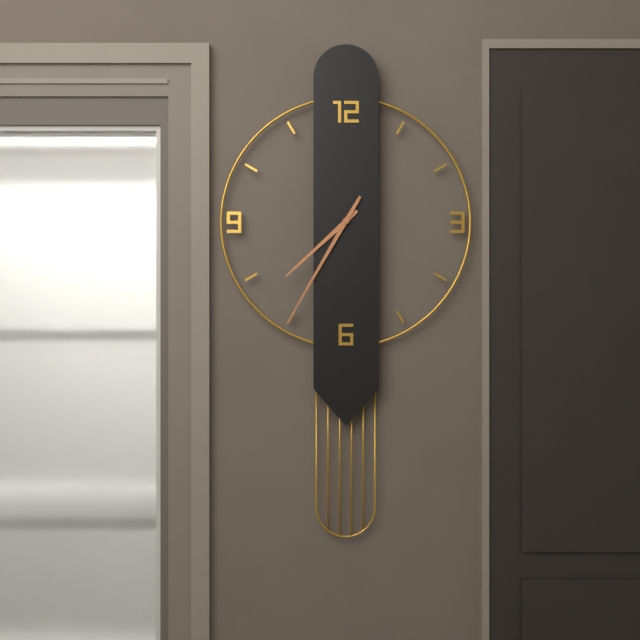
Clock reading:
7.35
